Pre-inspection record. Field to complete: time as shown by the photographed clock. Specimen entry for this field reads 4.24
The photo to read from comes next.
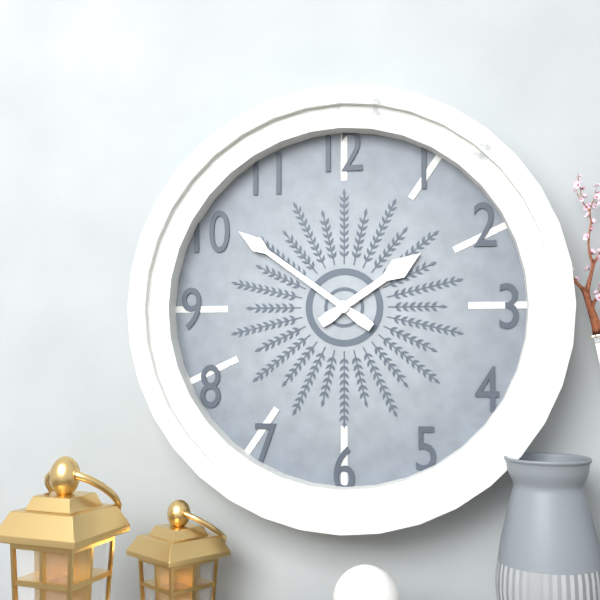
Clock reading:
1.51
